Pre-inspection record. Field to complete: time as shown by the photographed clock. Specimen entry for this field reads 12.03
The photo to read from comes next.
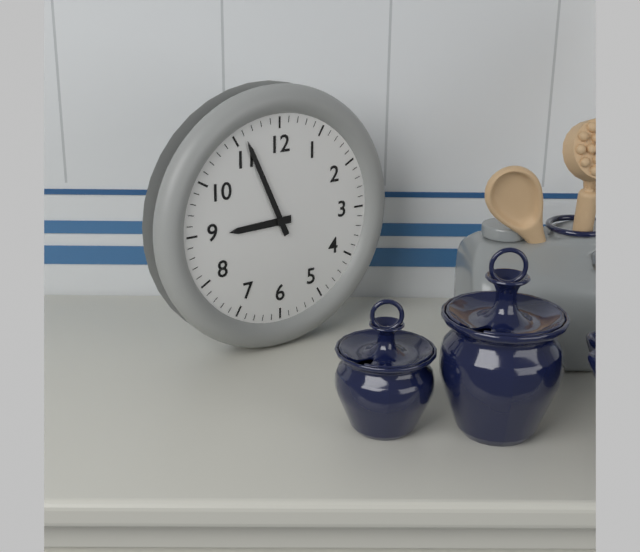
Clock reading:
8.56
